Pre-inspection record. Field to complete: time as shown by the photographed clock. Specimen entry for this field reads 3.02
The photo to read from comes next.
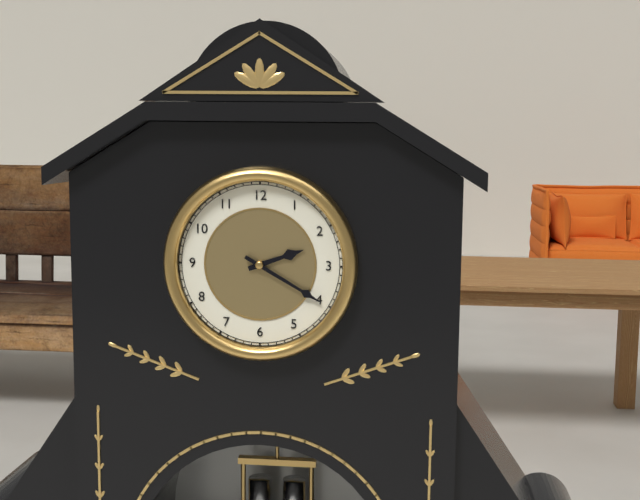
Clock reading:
2.20
